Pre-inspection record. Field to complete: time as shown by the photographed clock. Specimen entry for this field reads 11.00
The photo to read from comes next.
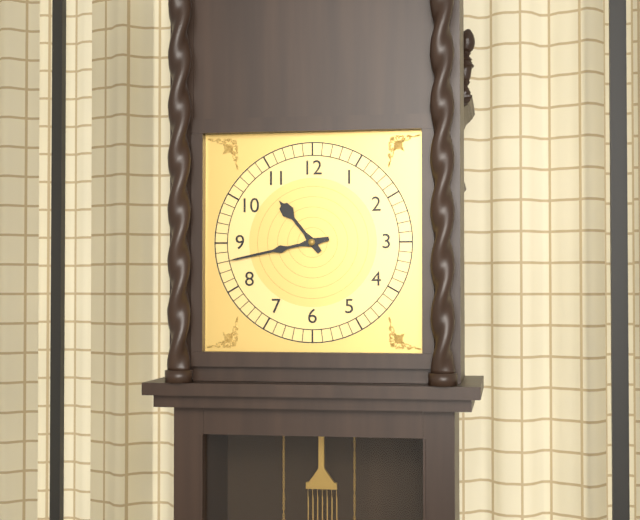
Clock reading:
10.43
